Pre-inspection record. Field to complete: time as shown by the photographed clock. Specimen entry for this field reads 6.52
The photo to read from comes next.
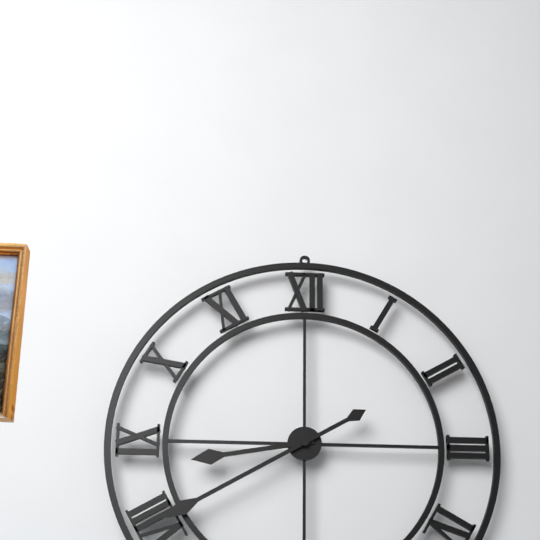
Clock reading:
8.40
